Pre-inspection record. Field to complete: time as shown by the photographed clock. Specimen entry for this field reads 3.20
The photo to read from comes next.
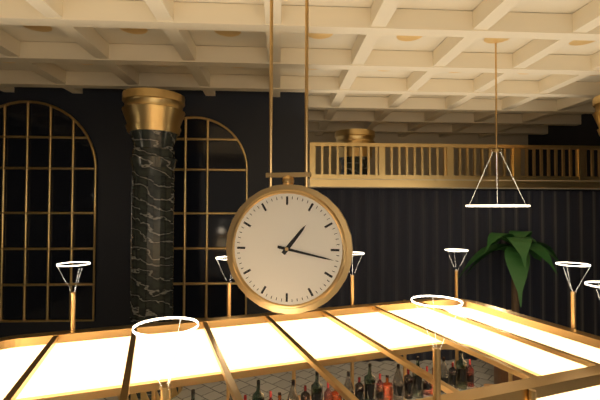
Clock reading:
1.17
